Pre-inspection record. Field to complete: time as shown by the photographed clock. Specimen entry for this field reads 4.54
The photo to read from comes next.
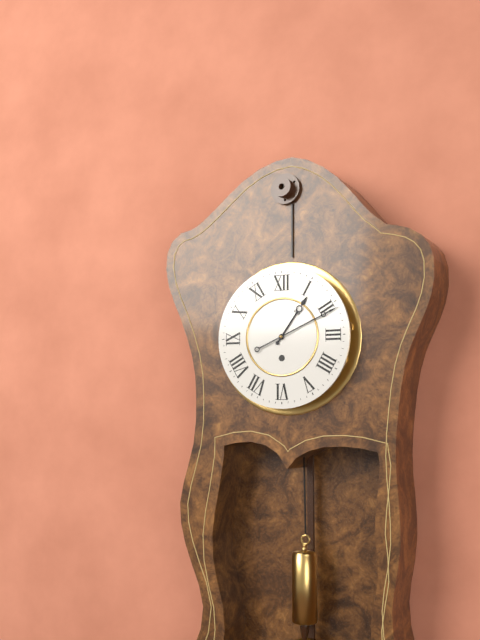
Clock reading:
1.11
